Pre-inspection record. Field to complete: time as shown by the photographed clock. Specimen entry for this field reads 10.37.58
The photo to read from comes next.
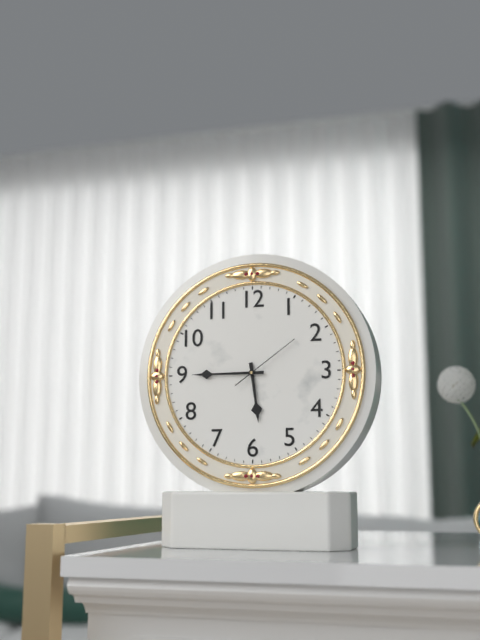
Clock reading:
5.45.09
